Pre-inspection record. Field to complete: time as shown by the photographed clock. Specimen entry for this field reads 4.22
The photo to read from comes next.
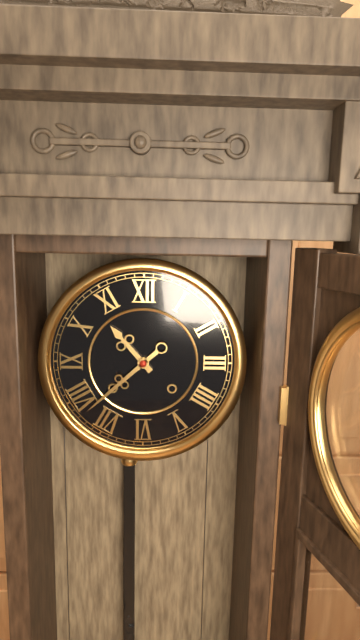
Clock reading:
10.38
